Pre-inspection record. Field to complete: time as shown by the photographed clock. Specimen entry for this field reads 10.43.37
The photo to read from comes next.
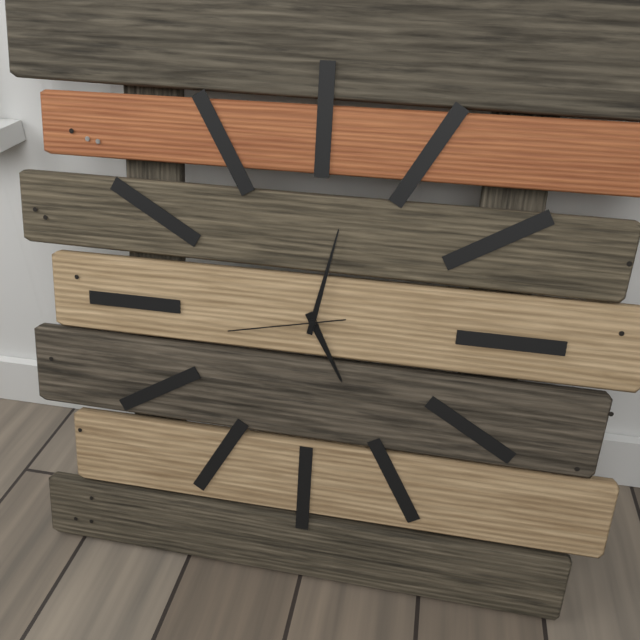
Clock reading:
5.02.43
